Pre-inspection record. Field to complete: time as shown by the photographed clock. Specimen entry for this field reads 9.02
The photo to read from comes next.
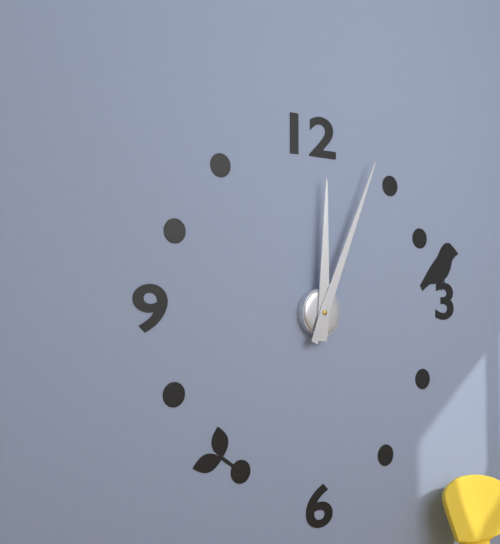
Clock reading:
12.04
